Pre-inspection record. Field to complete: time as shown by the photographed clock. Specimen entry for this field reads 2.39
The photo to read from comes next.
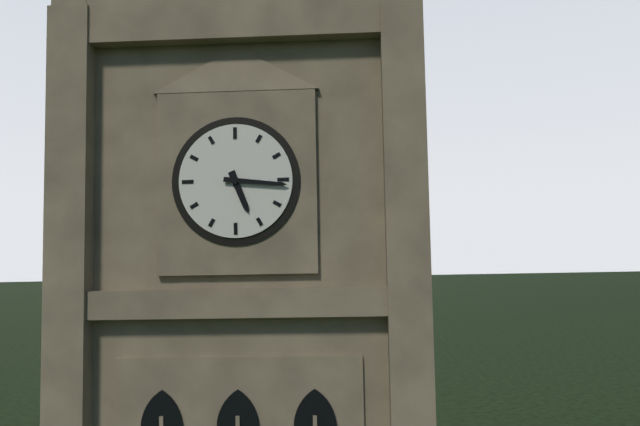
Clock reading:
5.16
